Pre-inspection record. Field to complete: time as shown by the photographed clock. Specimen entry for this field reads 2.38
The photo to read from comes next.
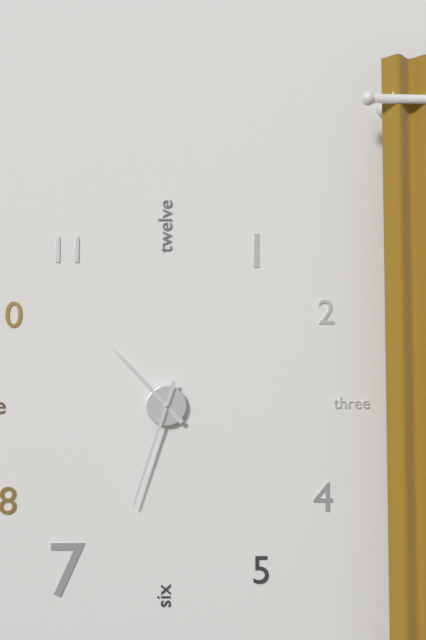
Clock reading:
10.33
